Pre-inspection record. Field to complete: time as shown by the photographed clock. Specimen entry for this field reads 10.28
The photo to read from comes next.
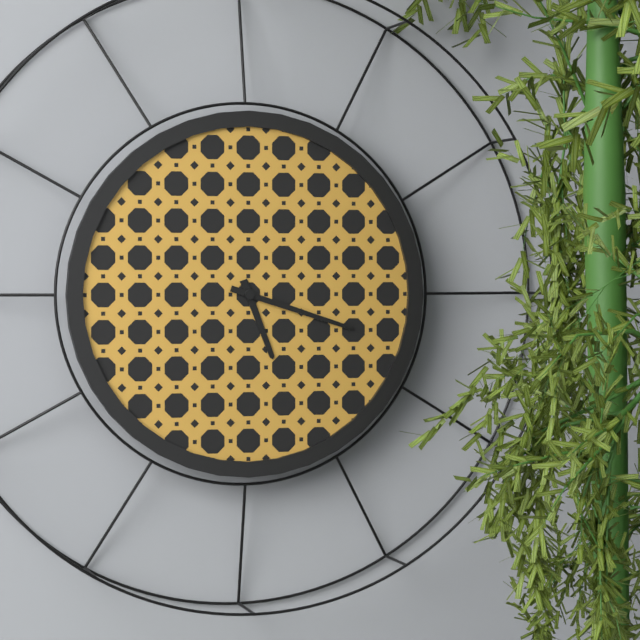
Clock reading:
5.18
